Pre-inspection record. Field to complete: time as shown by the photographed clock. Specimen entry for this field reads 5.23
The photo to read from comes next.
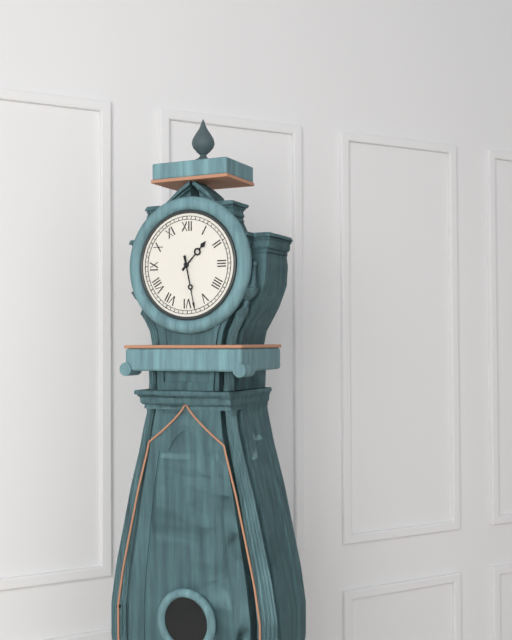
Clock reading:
1.28
